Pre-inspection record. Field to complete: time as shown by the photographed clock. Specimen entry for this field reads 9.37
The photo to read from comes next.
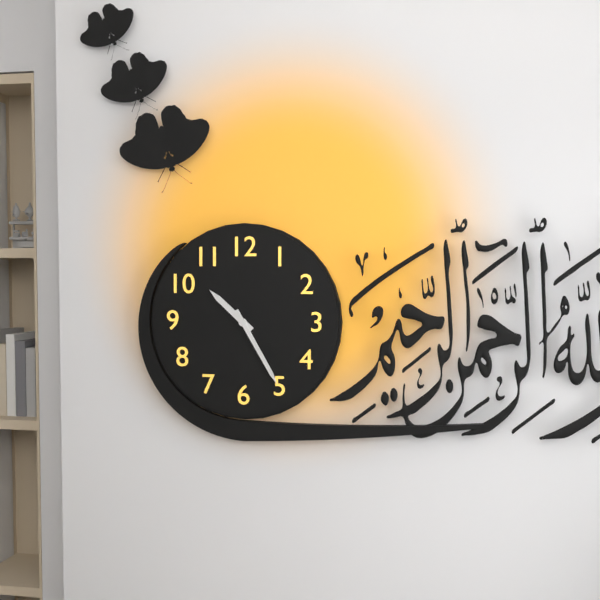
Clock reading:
10.25
